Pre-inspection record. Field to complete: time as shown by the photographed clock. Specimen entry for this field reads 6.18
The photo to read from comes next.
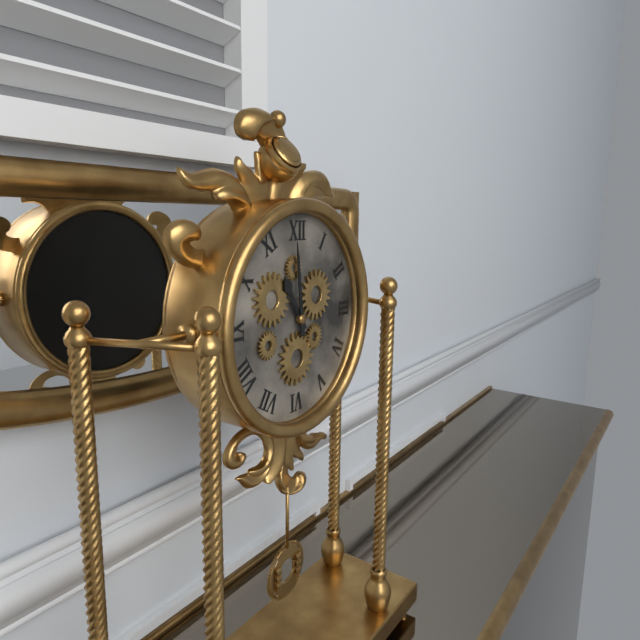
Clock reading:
10.59
